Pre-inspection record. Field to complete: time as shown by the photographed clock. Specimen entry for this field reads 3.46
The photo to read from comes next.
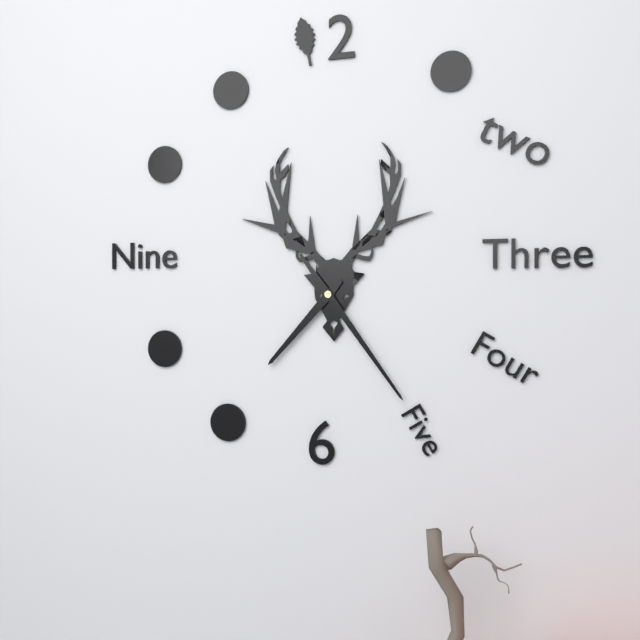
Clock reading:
7.24
